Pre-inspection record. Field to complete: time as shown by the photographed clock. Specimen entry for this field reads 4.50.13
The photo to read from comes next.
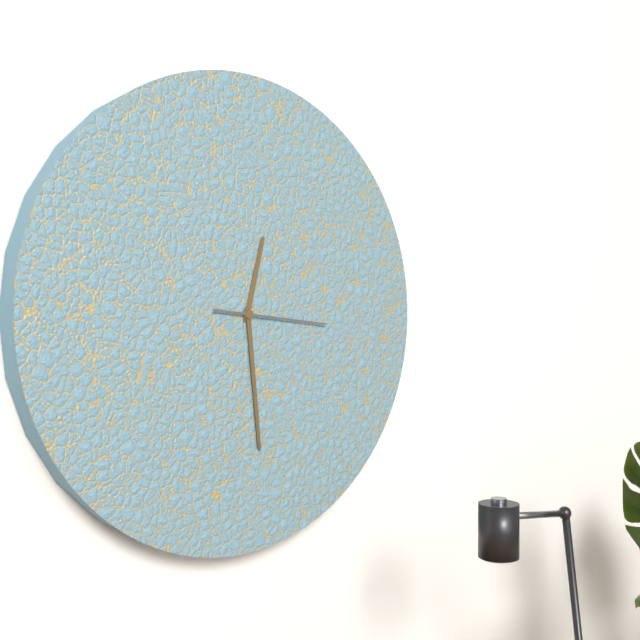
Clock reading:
12.29.16
